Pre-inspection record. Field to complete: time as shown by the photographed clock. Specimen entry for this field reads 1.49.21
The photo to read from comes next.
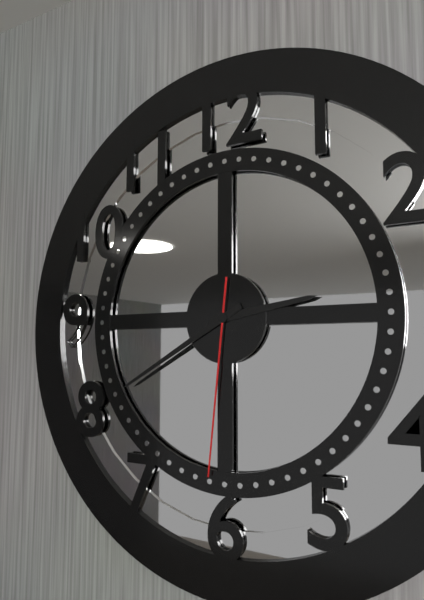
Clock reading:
2.40.31
